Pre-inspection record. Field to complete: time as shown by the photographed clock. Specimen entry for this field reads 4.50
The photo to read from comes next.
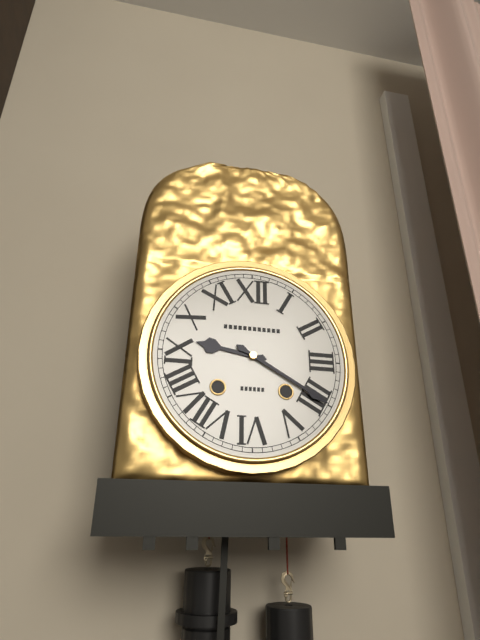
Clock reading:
9.20
